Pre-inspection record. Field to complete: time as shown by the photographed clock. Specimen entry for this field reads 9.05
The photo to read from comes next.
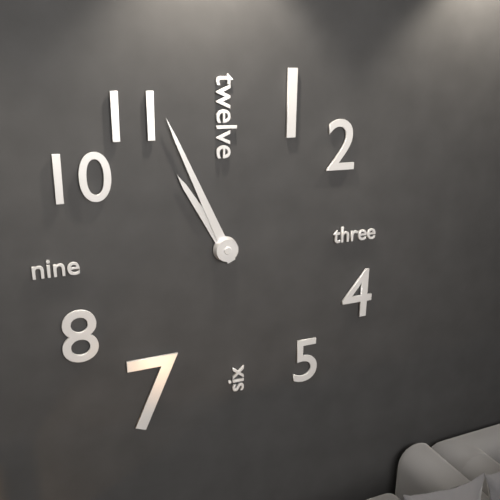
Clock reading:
10.56
